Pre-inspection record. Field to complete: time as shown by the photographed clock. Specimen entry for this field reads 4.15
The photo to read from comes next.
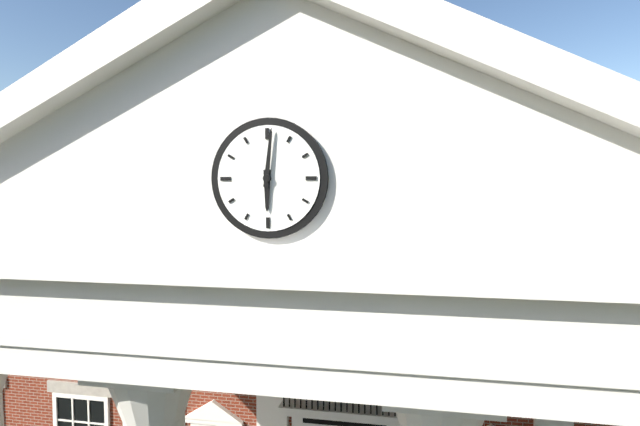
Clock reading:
6.01
